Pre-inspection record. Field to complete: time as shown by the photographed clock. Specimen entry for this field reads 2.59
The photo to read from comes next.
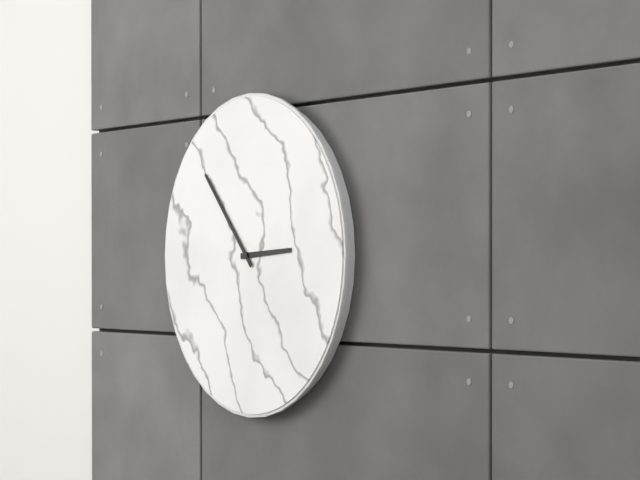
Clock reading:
2.53
